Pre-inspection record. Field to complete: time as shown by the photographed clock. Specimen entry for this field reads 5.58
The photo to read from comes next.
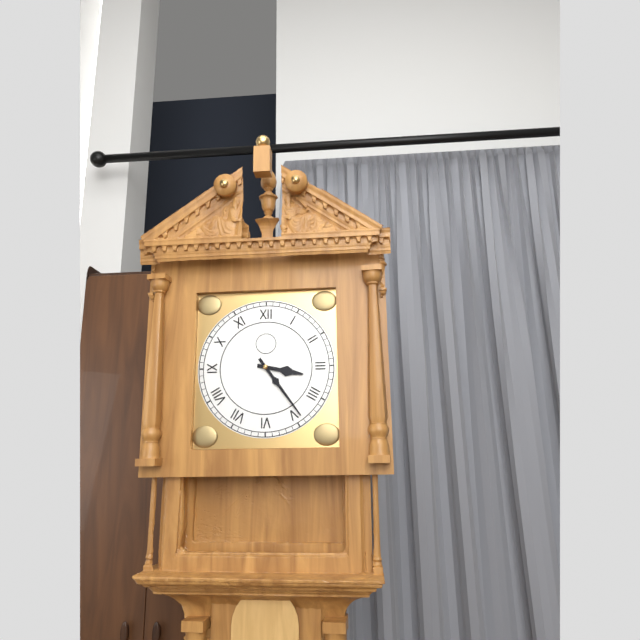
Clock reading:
3.24
